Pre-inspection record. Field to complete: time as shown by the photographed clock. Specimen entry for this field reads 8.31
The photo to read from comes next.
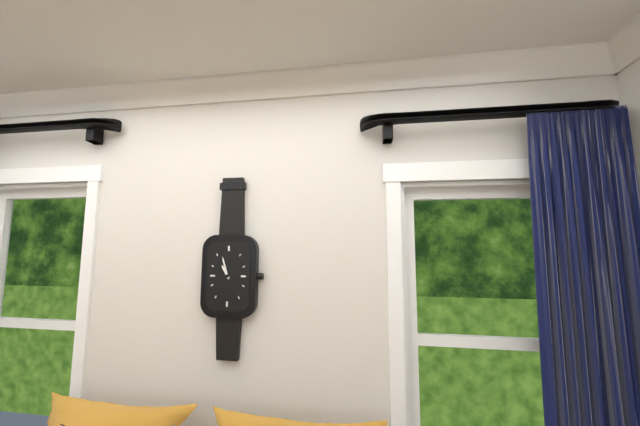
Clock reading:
10.57
